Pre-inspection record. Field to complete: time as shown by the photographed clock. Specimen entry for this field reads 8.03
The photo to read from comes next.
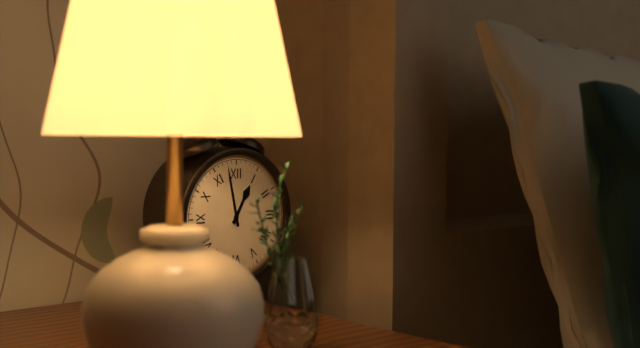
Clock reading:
12.58
